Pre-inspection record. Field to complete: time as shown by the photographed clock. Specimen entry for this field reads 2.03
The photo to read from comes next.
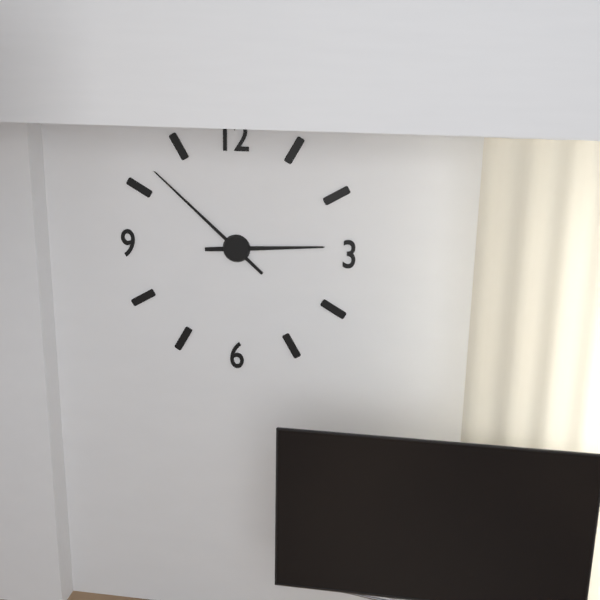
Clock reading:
2.52
